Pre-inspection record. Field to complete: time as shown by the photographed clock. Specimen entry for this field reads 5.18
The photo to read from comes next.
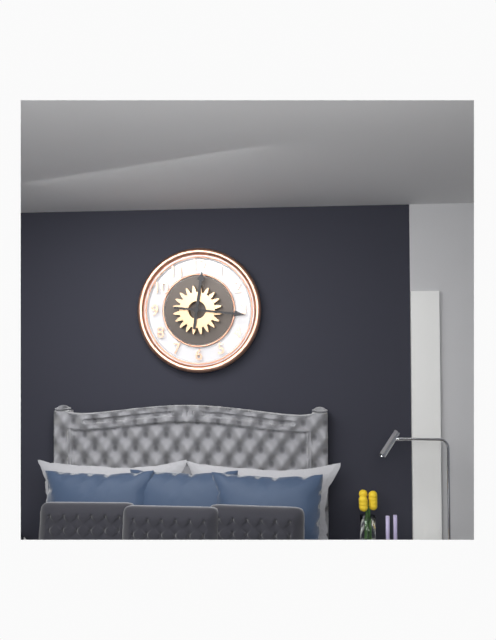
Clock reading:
12.16
